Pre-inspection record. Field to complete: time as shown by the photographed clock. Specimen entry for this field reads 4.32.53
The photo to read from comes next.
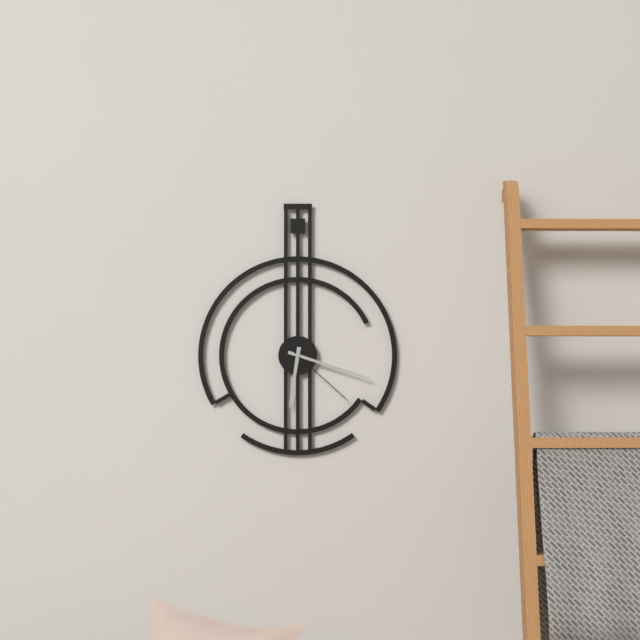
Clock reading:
6.18.22
